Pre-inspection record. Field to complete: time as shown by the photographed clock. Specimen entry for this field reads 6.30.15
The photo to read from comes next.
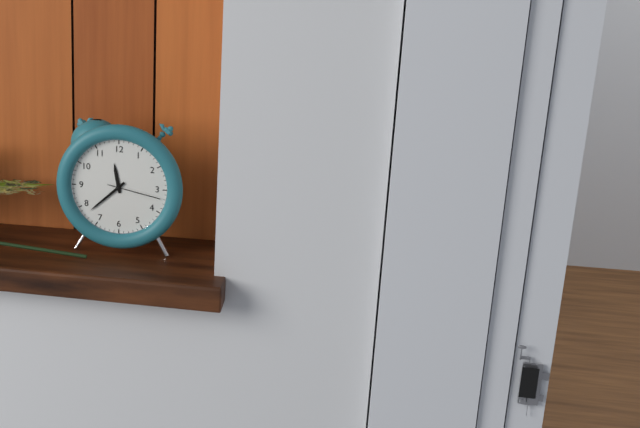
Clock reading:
11.38.17
